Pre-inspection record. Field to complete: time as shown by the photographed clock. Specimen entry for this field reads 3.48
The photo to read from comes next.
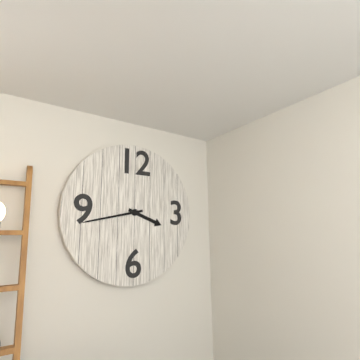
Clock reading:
3.43
